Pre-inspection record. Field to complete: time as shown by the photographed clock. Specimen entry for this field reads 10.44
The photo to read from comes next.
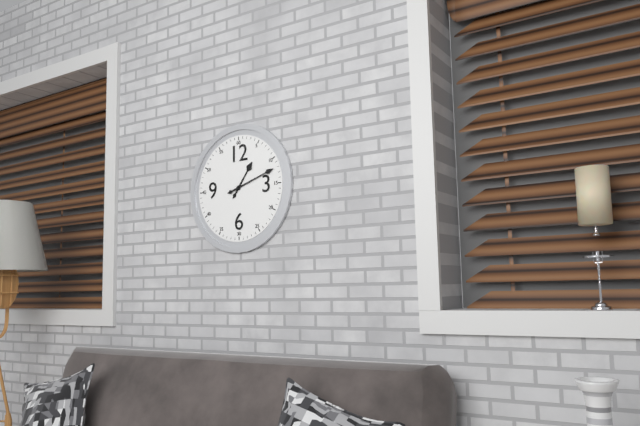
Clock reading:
1.12
